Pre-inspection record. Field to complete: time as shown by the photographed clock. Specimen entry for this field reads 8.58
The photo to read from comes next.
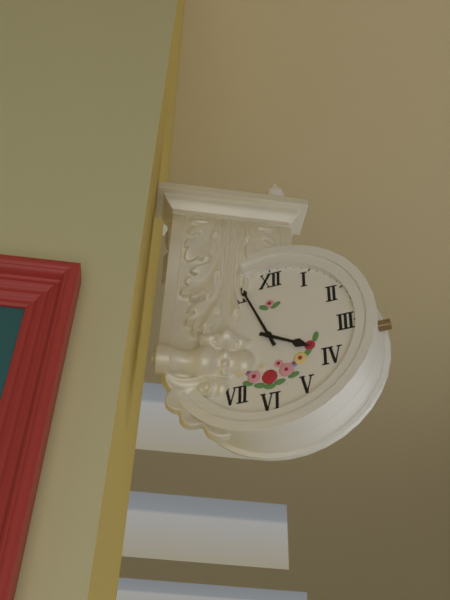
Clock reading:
3.56
